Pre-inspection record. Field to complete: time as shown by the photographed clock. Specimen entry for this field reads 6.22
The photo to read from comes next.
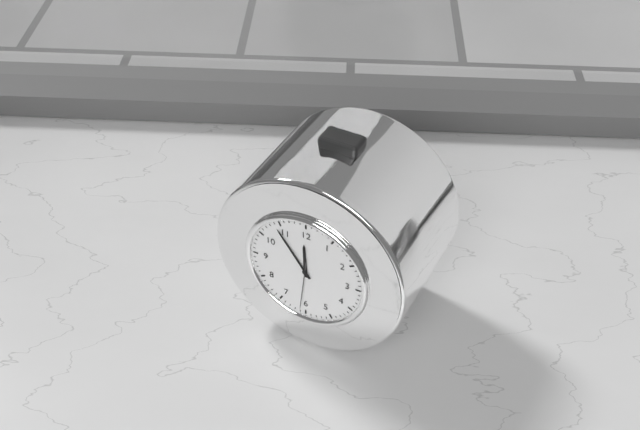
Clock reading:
11.54
